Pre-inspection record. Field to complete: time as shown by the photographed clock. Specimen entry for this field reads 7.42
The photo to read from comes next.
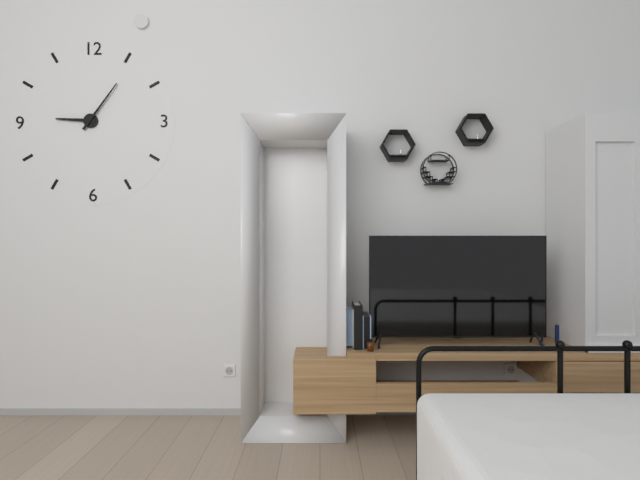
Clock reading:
9.06
